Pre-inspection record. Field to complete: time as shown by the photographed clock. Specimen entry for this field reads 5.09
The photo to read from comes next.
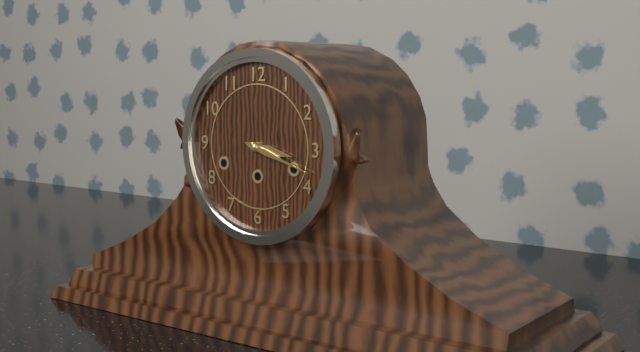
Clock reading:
3.18
